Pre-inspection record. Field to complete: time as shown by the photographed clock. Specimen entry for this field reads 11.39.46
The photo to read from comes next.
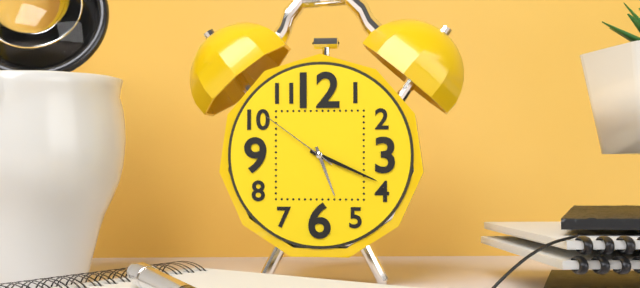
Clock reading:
5.19.51
